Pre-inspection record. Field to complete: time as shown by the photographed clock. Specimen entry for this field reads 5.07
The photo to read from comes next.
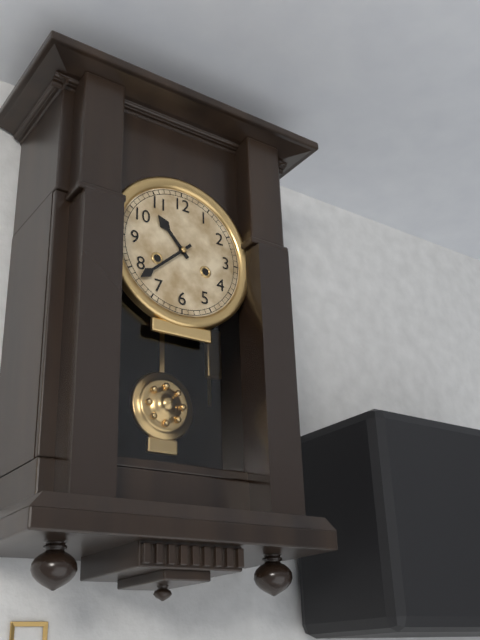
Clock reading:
10.38
